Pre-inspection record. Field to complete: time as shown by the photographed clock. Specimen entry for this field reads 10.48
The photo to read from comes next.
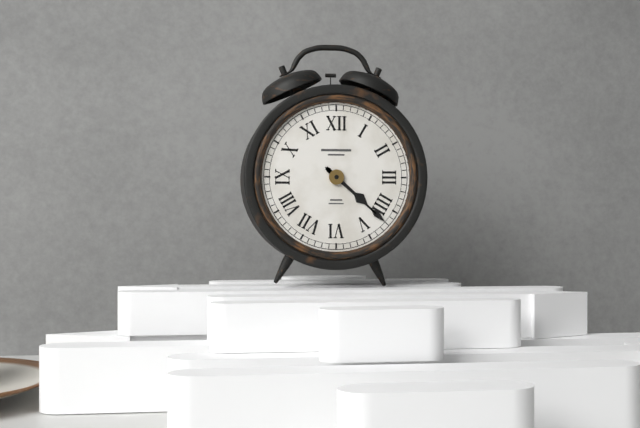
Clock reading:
4.22
